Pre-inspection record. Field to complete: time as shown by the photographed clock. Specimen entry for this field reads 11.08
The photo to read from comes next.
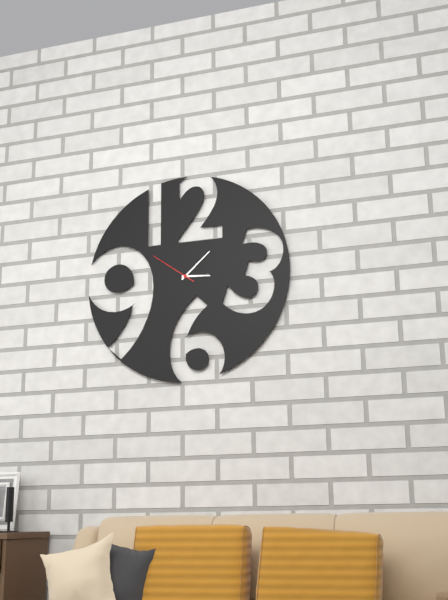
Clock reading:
3.08
